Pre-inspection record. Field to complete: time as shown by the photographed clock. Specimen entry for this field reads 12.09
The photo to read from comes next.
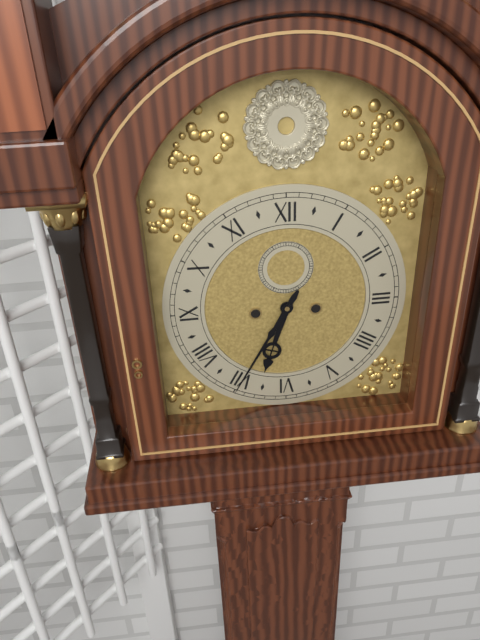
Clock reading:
6.35
